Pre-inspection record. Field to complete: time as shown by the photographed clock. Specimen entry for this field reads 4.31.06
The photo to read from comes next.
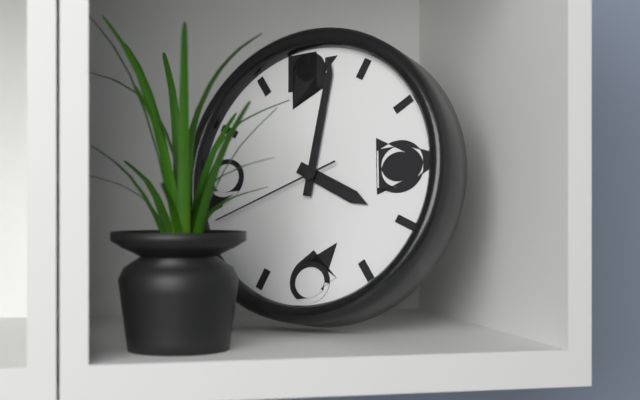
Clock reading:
4.02.42
